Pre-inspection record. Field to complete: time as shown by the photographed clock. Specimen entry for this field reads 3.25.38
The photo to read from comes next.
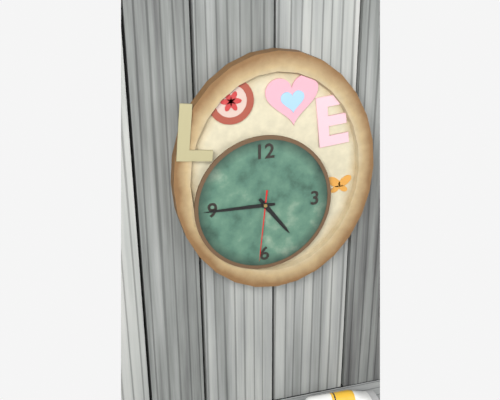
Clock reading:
4.45.31
